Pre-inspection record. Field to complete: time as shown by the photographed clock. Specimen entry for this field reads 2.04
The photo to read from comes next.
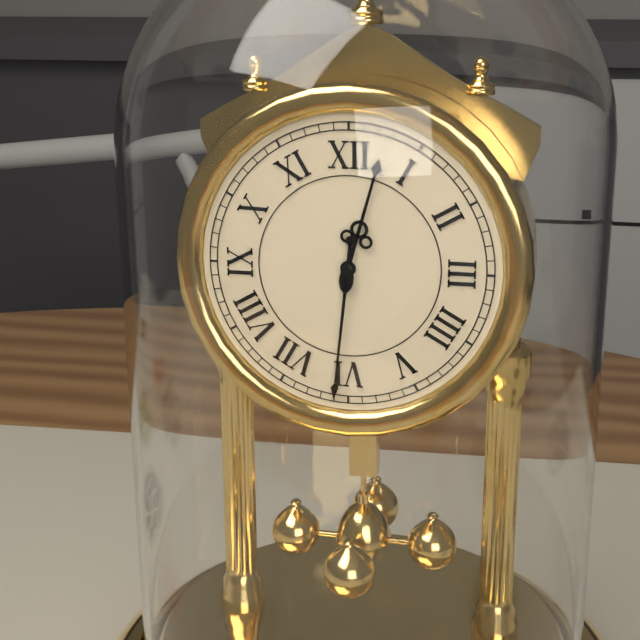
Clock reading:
12.31
